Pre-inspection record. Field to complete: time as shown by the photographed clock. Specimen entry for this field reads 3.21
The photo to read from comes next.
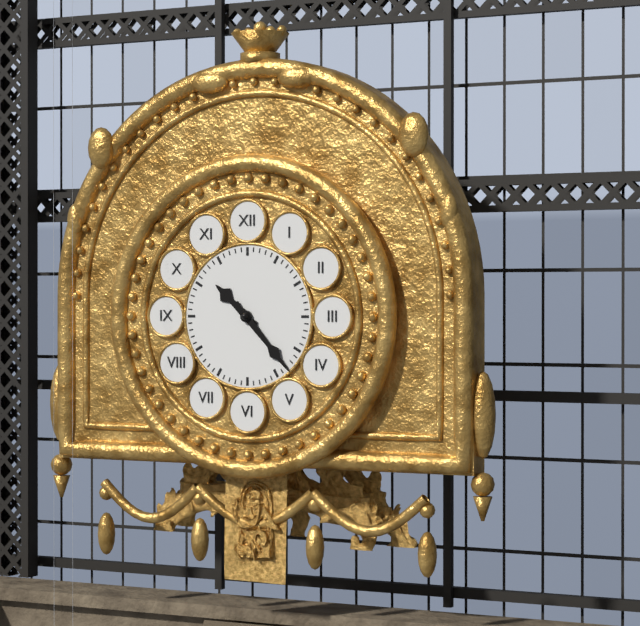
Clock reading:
10.23
